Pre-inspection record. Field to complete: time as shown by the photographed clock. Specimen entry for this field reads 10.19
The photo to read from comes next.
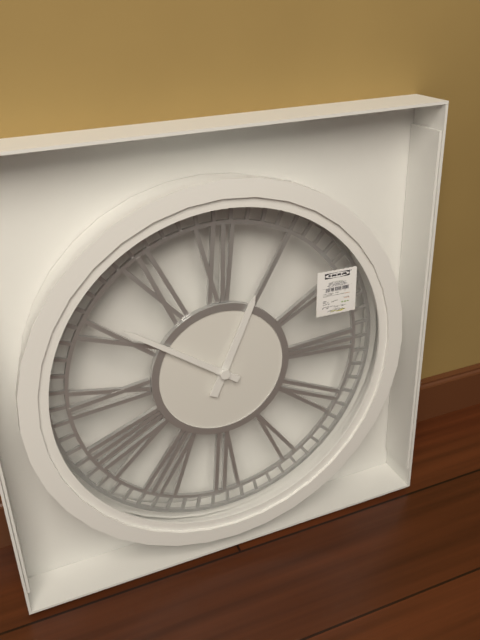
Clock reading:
12.51
